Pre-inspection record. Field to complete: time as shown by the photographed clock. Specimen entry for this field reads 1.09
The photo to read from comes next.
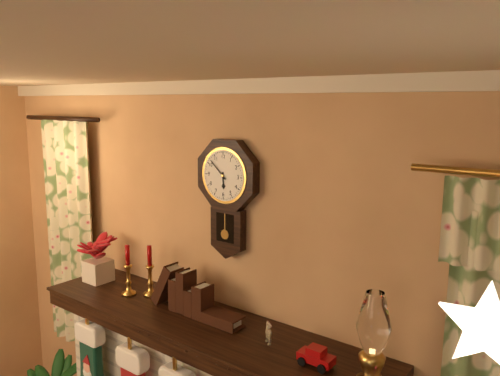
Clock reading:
5.52
